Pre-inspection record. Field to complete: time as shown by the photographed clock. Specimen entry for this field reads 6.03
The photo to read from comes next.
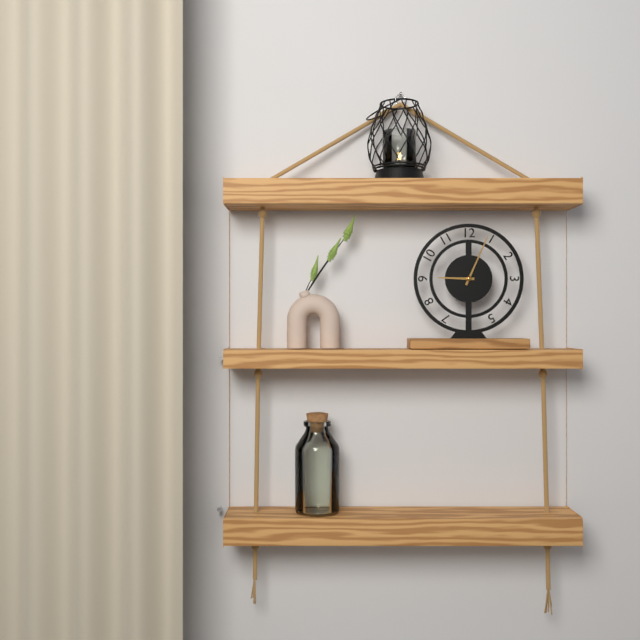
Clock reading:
9.04
